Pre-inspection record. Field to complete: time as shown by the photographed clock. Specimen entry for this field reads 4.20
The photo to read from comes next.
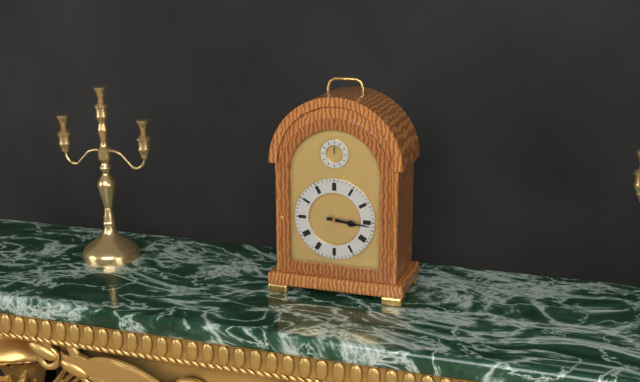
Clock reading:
3.16
